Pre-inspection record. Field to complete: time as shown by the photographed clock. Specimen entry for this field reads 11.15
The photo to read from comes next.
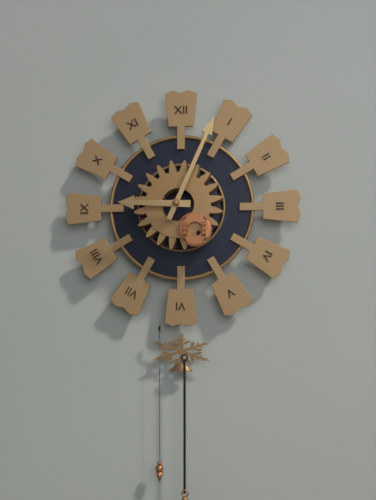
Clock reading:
9.04
